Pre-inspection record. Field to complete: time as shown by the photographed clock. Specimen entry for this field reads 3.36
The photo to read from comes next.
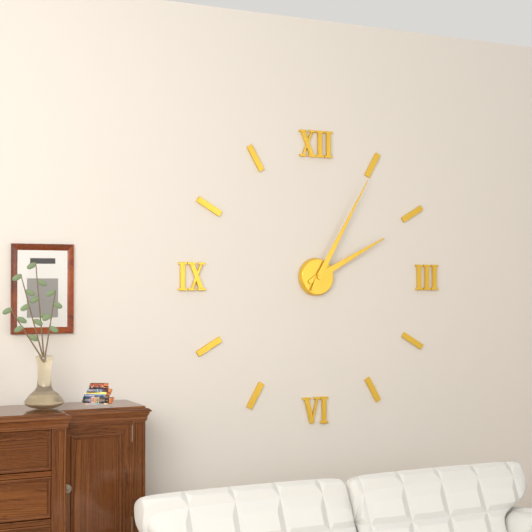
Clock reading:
2.05
